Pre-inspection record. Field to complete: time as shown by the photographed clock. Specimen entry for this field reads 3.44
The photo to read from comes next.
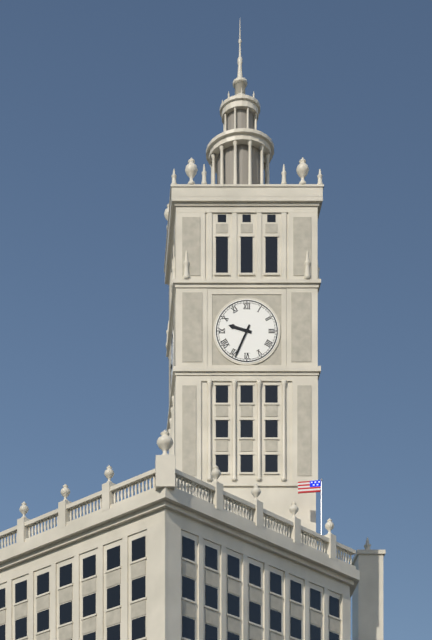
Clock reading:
9.34
